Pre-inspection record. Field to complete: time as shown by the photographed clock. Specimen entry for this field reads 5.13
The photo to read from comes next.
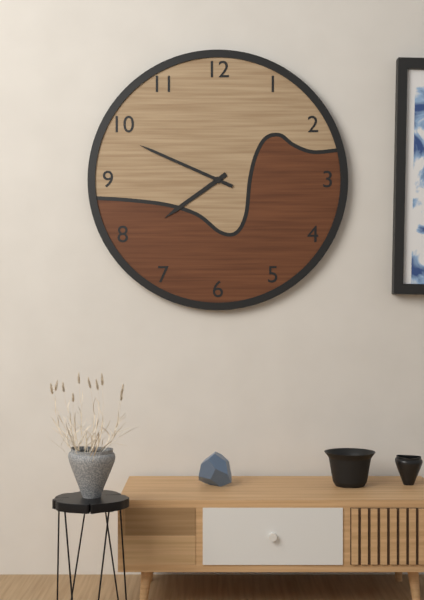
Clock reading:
7.49
